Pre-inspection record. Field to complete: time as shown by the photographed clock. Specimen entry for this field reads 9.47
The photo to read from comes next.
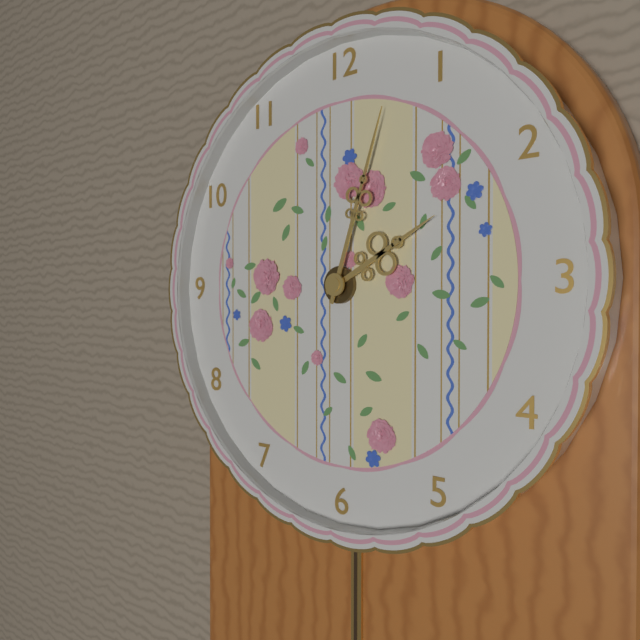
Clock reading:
2.03
